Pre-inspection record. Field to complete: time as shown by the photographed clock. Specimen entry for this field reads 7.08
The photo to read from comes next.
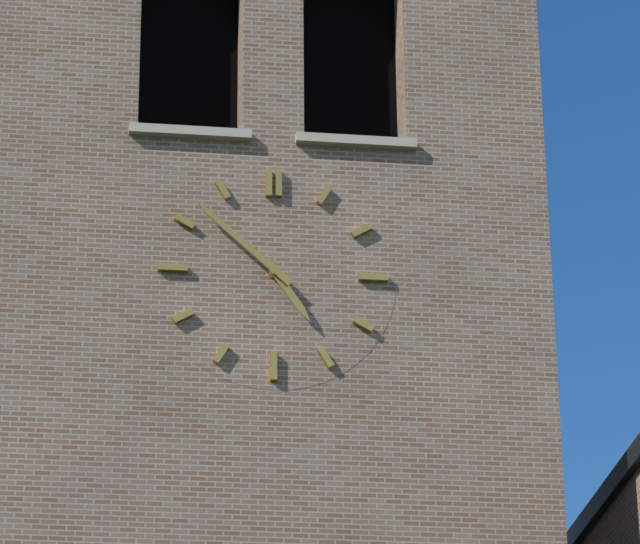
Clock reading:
4.52
